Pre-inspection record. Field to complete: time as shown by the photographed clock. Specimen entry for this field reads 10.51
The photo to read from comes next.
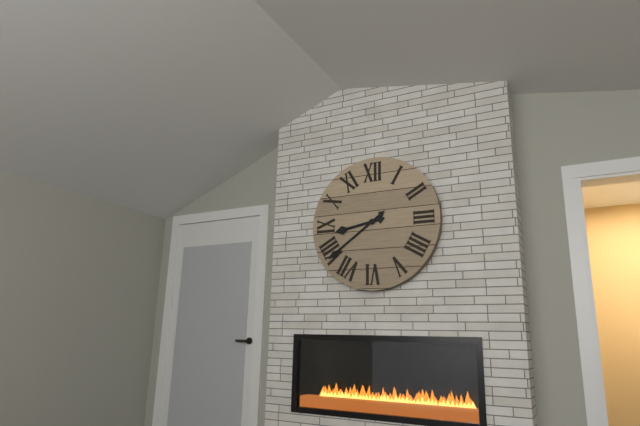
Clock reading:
8.39
